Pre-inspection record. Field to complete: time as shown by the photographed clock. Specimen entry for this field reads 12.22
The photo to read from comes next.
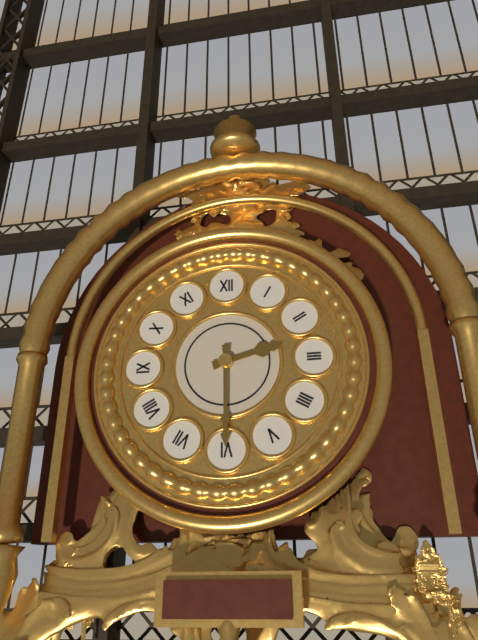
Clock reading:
2.30
